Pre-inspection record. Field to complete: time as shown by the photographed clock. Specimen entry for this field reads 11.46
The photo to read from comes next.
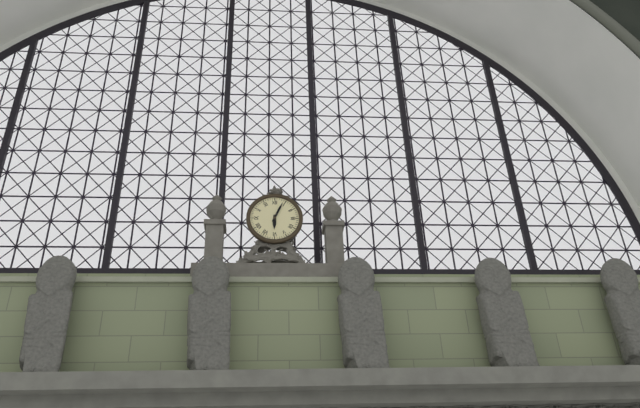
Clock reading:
6.04
